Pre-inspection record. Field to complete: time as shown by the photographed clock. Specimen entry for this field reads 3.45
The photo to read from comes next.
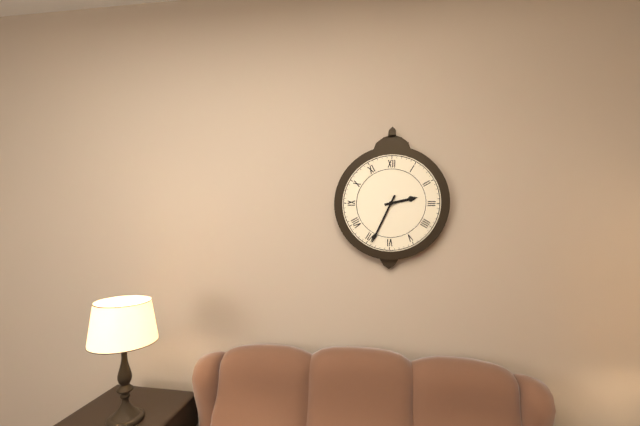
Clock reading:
2.34
